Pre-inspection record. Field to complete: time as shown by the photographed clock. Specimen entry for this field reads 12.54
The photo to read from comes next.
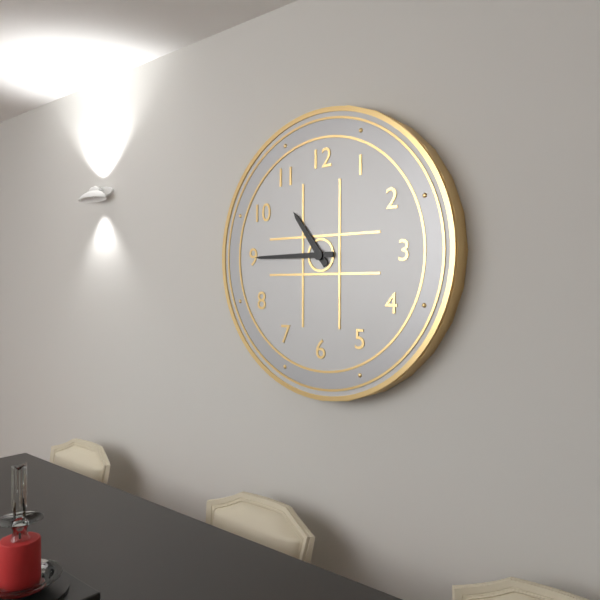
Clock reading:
10.45
